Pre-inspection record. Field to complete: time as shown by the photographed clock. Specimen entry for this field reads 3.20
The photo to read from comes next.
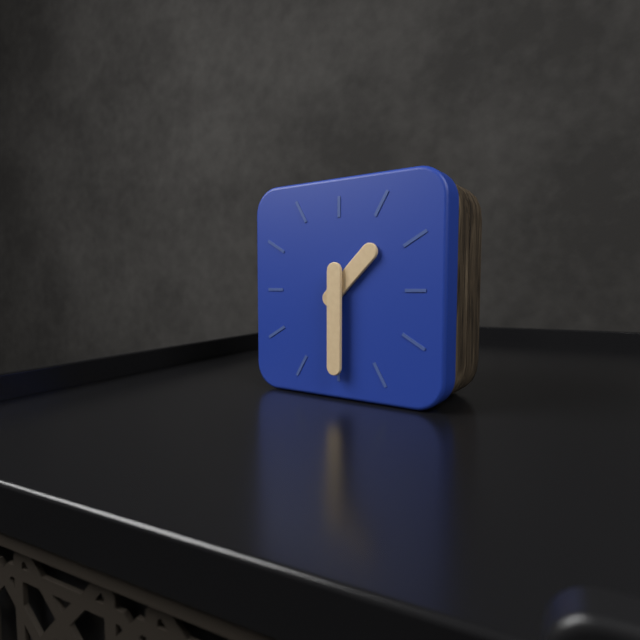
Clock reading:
1.30
